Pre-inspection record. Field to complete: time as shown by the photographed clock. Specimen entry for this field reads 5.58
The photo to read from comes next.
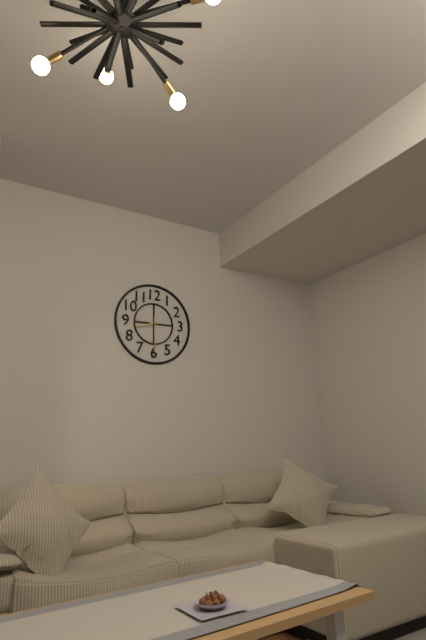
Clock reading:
8.30
